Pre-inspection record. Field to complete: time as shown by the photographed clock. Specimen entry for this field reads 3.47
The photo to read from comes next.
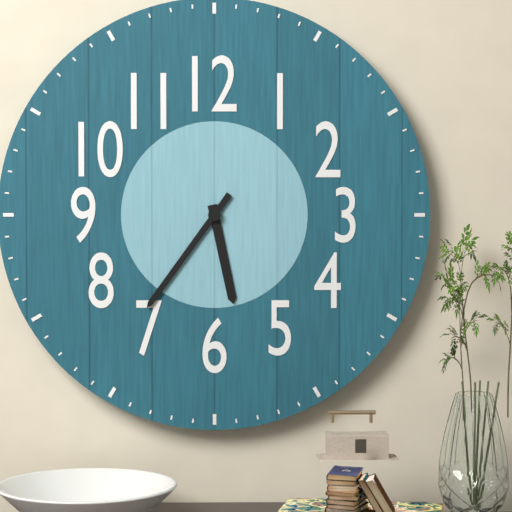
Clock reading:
5.36
